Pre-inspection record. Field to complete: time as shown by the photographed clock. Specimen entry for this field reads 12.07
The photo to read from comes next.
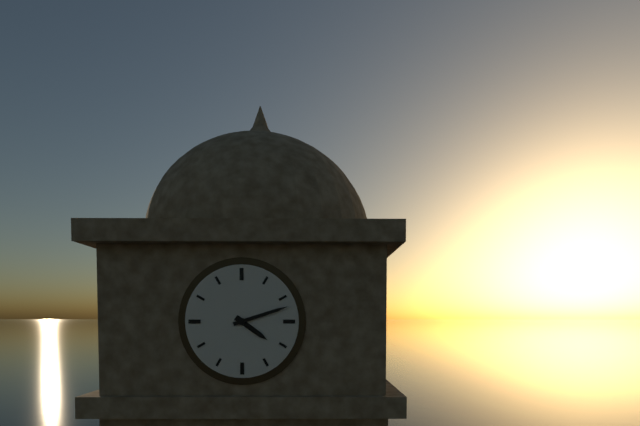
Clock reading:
4.12
